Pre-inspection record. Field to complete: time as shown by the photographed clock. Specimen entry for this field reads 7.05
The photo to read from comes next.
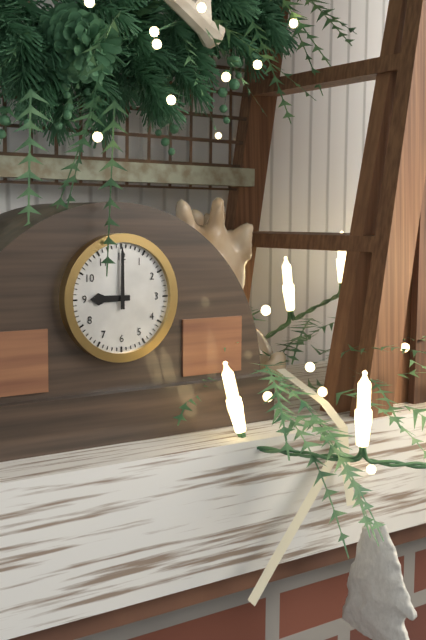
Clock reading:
9.00
